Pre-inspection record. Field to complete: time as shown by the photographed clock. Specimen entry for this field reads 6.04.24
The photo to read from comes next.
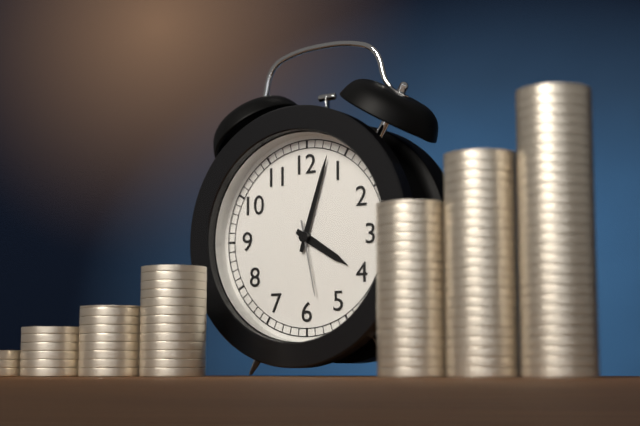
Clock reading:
4.03.28
